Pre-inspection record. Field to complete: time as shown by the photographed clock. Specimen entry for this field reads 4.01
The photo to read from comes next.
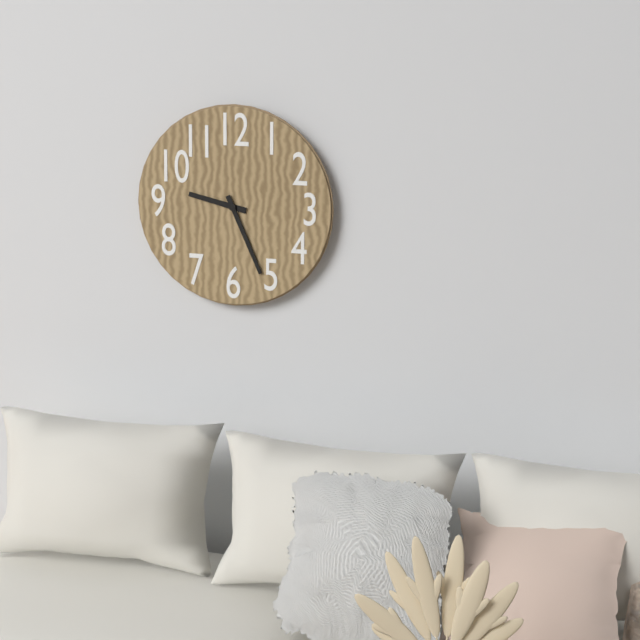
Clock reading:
9.26
